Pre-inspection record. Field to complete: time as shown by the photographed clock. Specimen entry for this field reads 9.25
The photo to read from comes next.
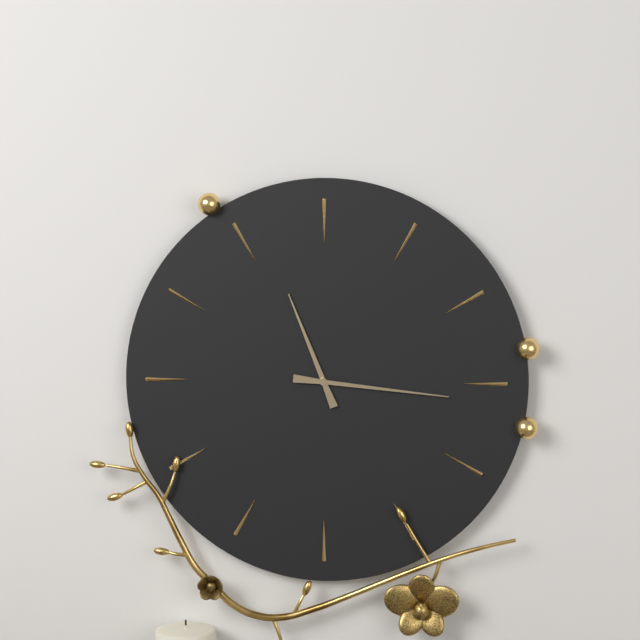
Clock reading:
11.16
